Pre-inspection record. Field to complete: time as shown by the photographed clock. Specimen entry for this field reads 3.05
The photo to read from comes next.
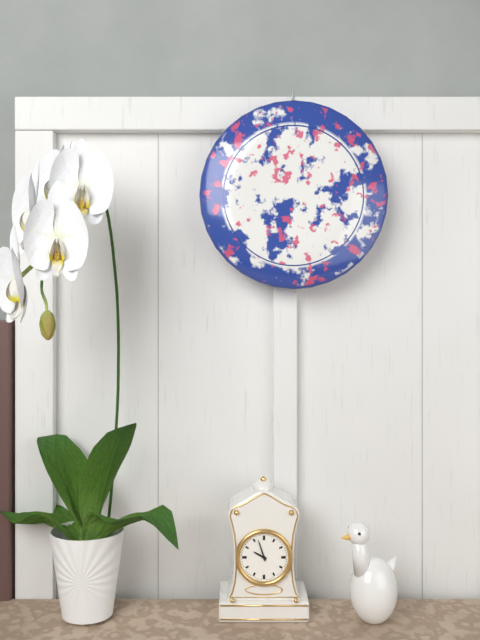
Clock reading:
9.57
